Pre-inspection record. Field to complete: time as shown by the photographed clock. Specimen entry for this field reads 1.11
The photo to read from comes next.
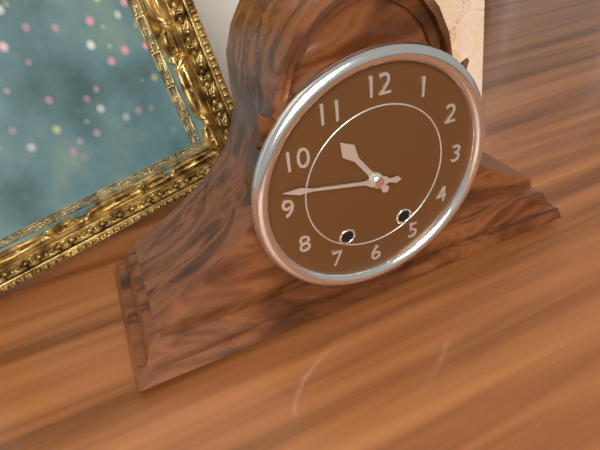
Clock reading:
10.47
